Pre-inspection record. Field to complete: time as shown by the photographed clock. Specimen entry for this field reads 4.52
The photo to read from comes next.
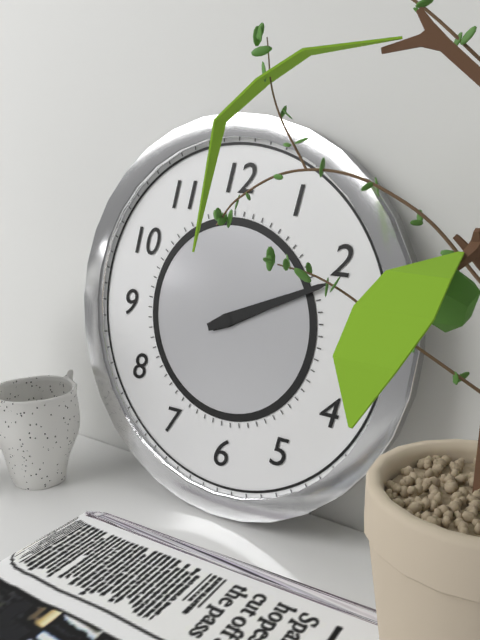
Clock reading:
2.11
